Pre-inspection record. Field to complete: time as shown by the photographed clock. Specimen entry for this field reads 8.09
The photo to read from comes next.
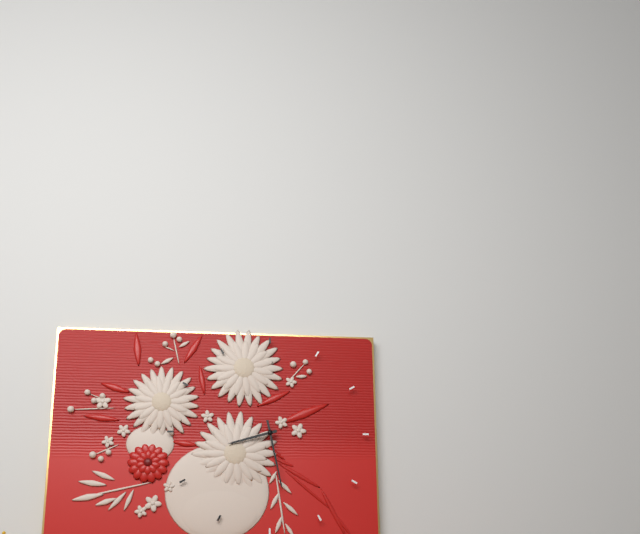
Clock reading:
8.28
